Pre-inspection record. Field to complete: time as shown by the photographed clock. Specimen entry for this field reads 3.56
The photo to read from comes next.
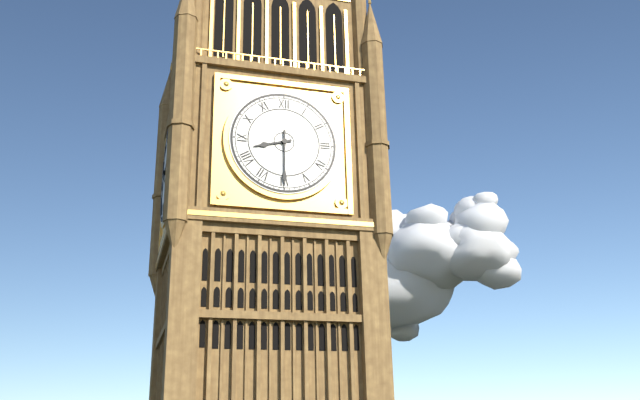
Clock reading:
8.30
